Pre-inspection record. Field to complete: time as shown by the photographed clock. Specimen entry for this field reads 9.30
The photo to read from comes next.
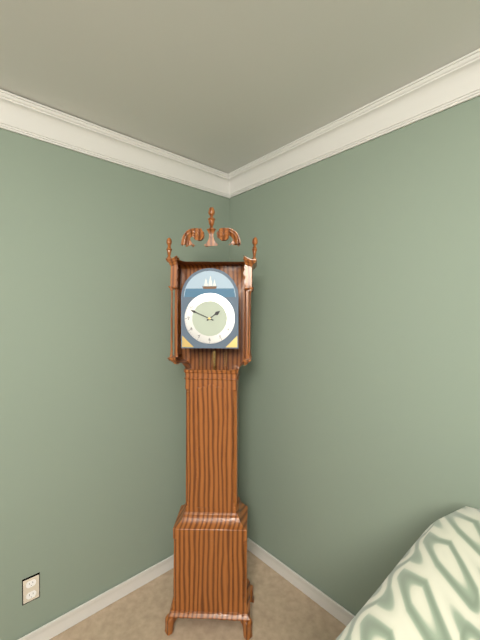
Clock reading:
1.49
